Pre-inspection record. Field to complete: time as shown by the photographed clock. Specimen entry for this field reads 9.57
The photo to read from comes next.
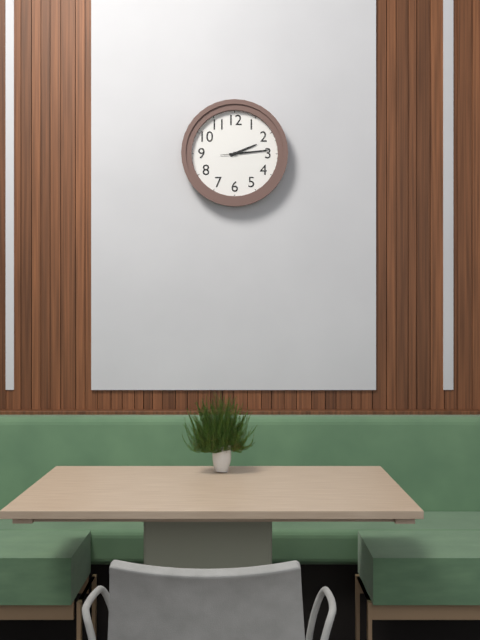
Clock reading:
2.14
